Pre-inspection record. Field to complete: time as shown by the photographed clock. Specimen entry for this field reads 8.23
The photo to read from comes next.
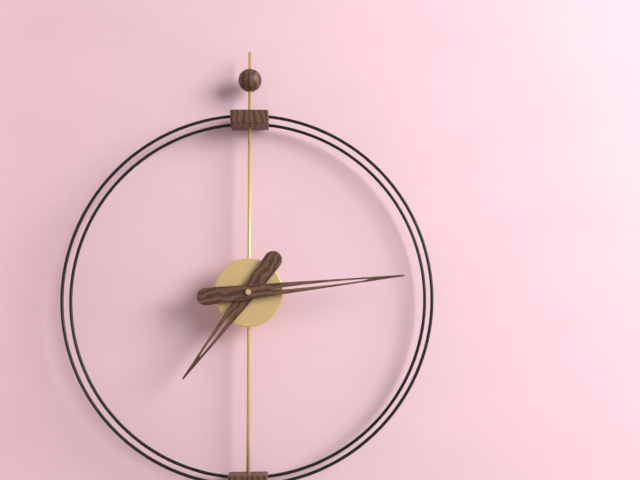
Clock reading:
7.14
